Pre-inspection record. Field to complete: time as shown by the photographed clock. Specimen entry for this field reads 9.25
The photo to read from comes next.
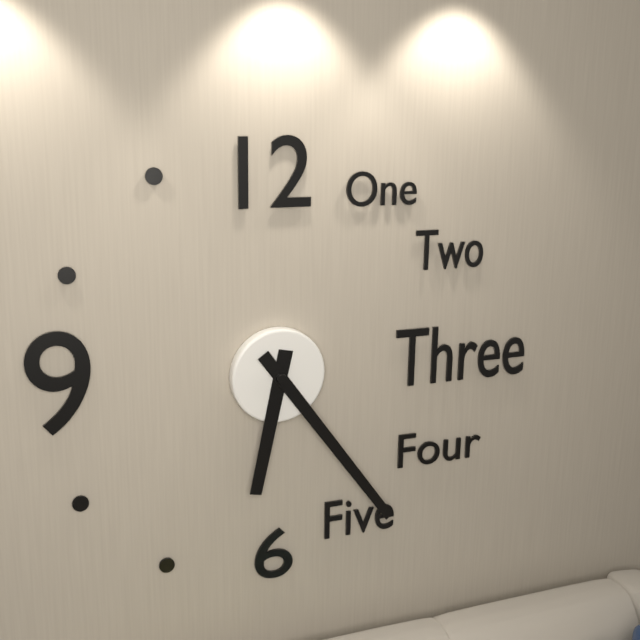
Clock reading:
6.24
